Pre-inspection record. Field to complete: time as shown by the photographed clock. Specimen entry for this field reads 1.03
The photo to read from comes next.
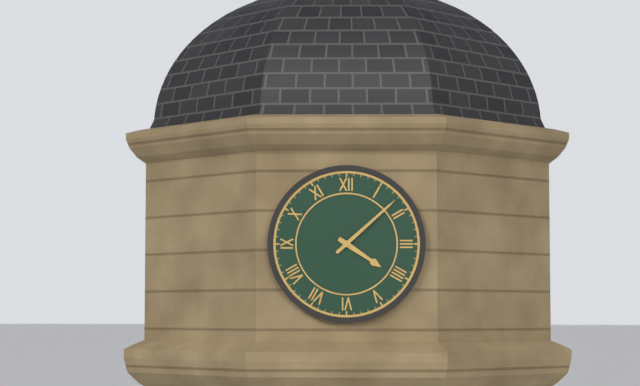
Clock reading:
4.08
